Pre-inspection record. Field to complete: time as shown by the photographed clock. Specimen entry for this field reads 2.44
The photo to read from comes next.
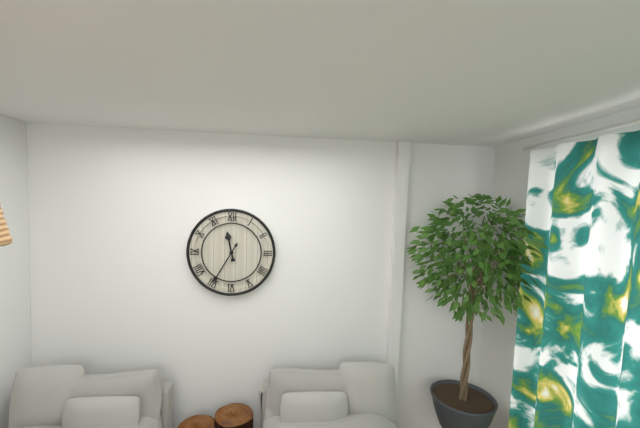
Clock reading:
11.35
